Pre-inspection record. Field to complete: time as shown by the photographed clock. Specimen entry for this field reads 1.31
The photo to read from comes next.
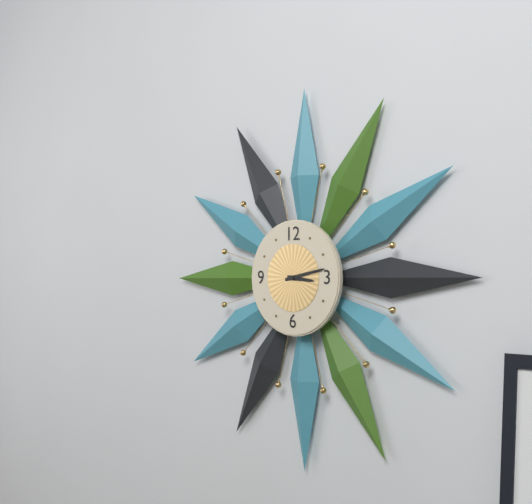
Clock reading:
3.13
